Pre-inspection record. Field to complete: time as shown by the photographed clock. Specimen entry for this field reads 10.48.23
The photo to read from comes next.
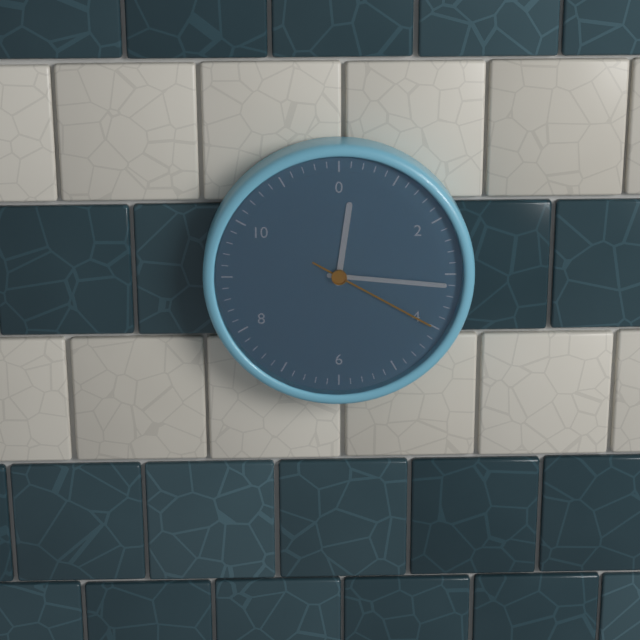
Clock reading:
12.16.20
